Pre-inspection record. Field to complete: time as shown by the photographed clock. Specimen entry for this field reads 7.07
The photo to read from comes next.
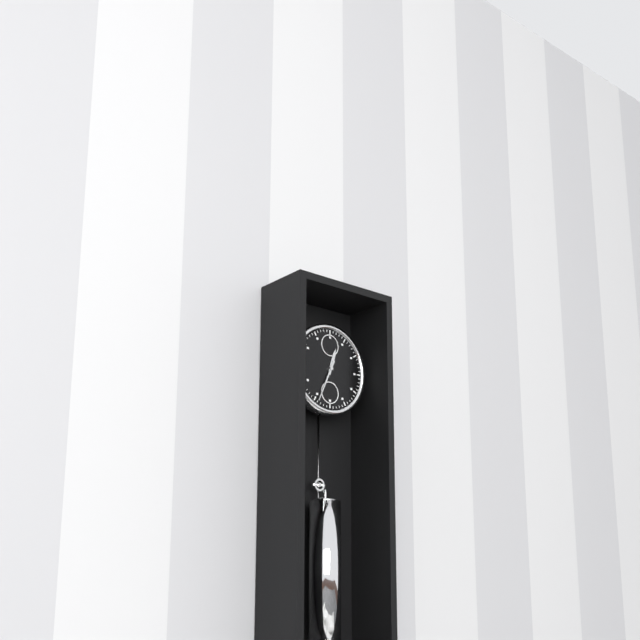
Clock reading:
12.34
